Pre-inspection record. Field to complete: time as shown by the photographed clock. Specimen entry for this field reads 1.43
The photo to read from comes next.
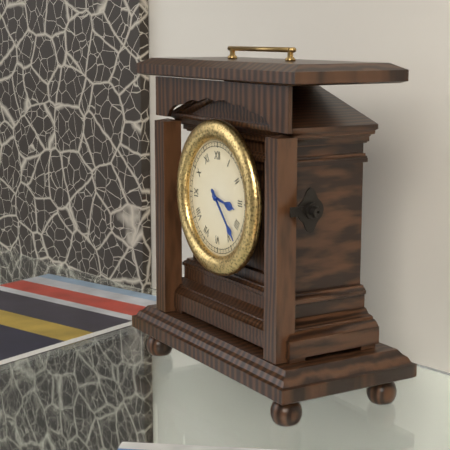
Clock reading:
3.23
